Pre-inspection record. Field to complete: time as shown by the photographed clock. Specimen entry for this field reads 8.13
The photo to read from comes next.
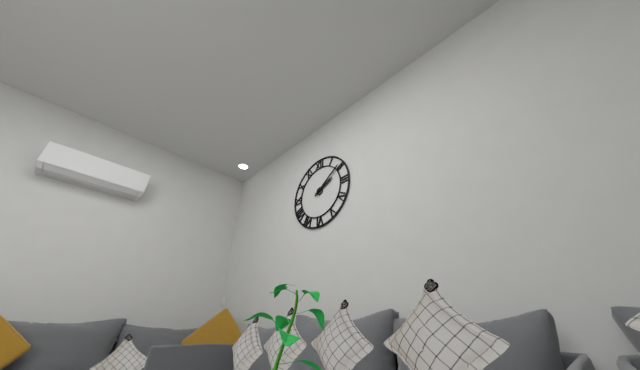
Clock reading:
2.09
